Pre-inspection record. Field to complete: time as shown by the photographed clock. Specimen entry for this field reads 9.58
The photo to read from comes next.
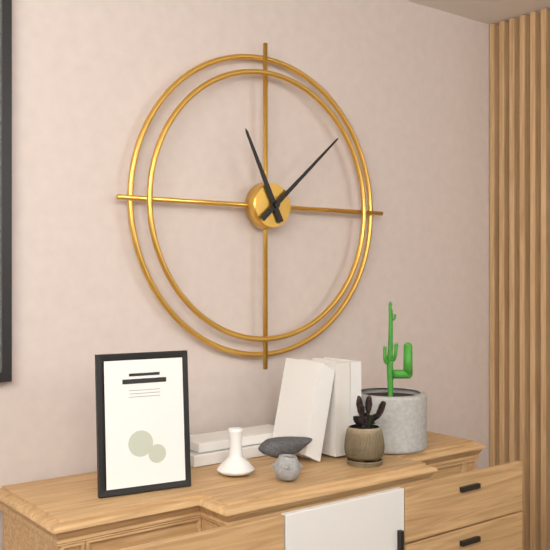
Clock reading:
11.08
